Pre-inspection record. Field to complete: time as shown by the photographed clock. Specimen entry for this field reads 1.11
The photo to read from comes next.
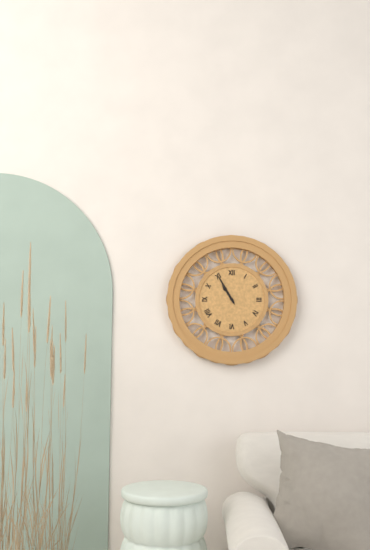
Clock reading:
10.55
